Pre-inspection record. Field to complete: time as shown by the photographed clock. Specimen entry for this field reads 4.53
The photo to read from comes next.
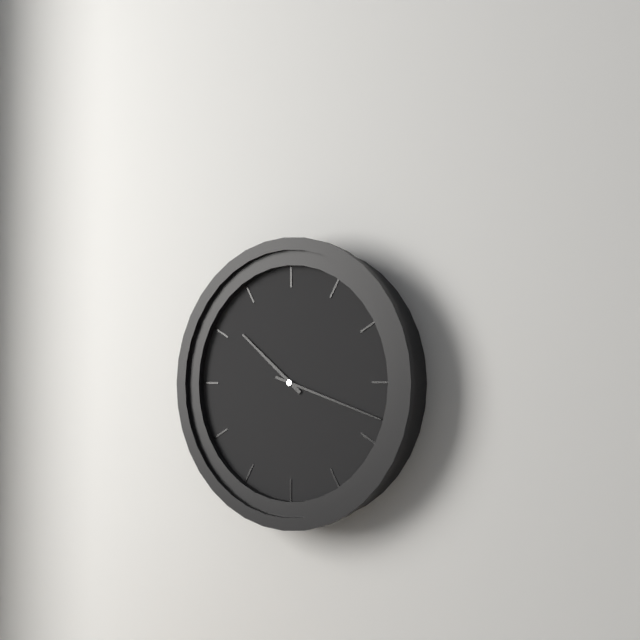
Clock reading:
10.18
